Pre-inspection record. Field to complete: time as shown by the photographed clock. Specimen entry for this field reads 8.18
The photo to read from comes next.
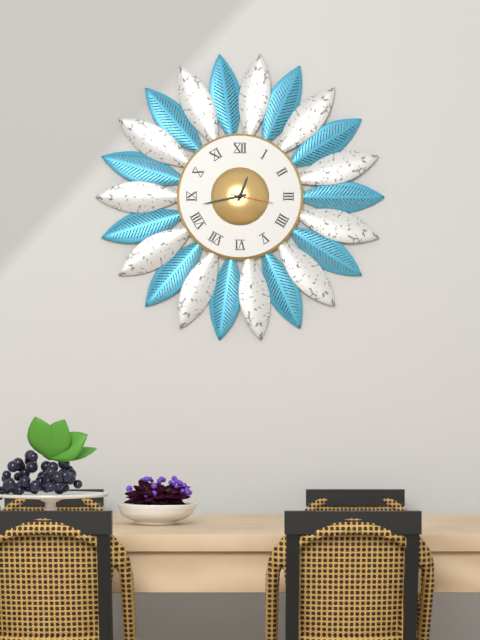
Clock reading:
12.43
